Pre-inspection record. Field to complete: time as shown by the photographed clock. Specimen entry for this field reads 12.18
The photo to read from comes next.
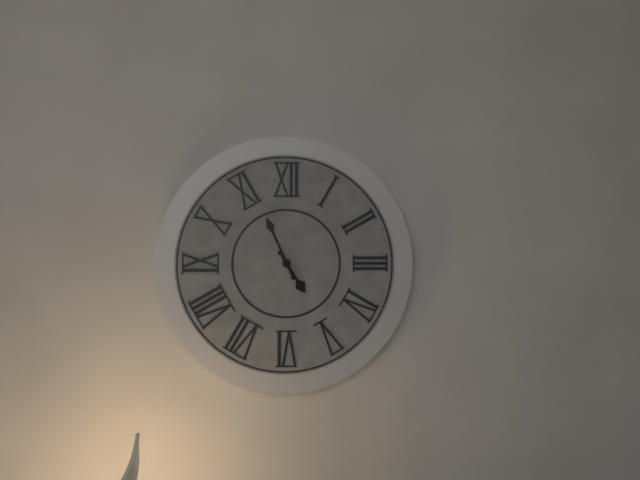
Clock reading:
4.56
